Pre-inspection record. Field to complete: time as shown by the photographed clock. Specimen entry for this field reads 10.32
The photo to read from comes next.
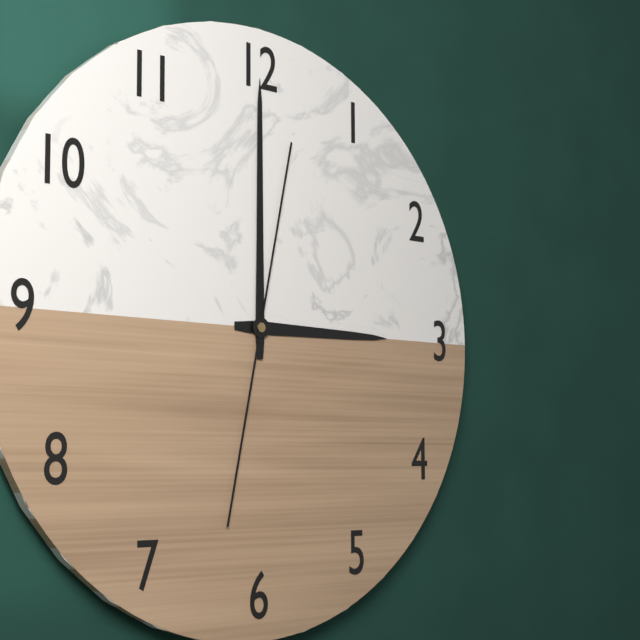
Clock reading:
3.00
